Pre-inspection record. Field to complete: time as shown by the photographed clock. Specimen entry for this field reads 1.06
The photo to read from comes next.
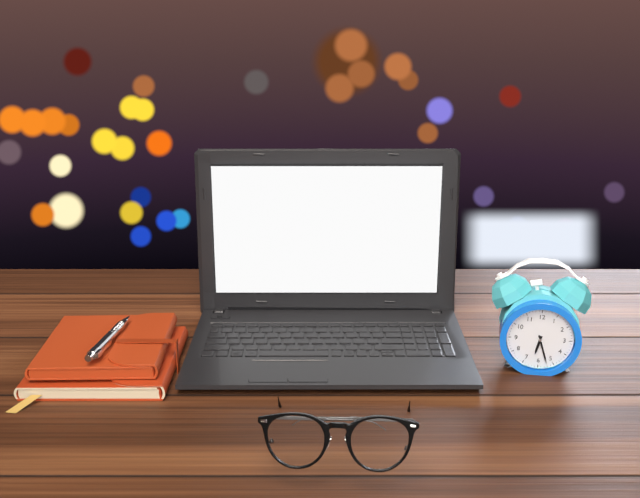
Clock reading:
6.27
